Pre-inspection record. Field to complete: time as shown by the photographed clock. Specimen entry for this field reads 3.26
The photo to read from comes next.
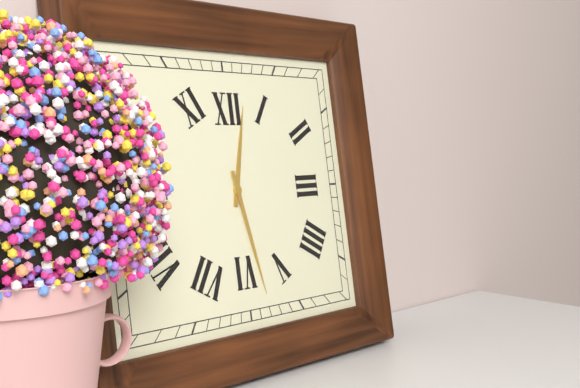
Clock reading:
12.28
